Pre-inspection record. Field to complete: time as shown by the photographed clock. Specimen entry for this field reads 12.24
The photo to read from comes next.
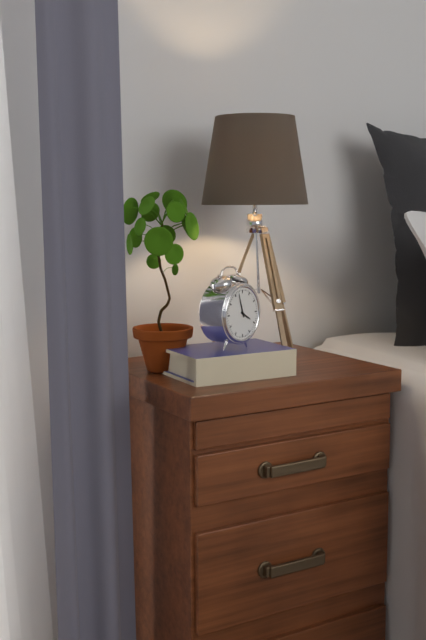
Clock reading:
3.57
